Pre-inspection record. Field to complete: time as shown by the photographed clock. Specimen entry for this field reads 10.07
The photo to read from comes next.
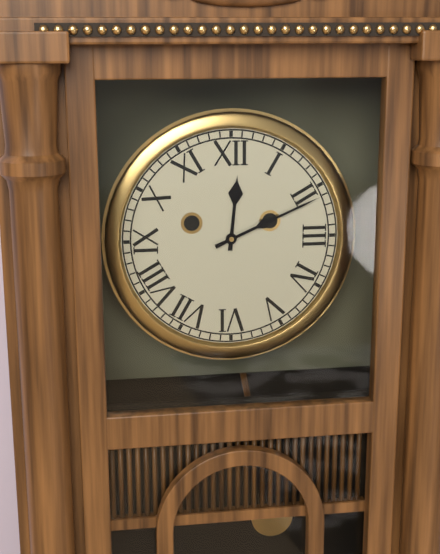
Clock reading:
12.11
